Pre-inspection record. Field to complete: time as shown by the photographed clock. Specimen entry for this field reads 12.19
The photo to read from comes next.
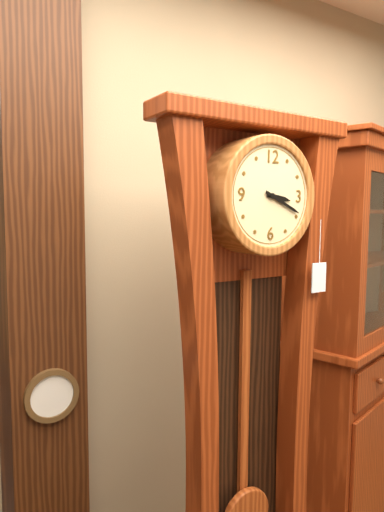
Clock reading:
3.19
